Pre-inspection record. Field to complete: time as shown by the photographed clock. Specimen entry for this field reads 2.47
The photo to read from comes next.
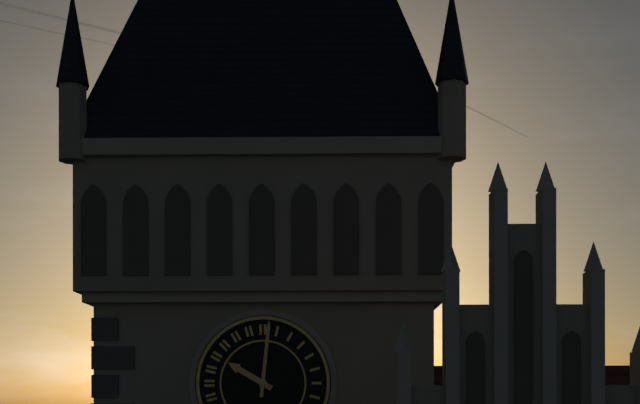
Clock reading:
10.01
